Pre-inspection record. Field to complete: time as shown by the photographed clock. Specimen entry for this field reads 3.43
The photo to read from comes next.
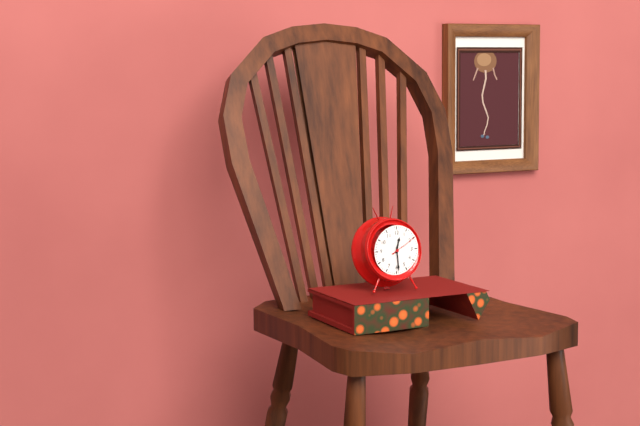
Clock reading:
12.29
